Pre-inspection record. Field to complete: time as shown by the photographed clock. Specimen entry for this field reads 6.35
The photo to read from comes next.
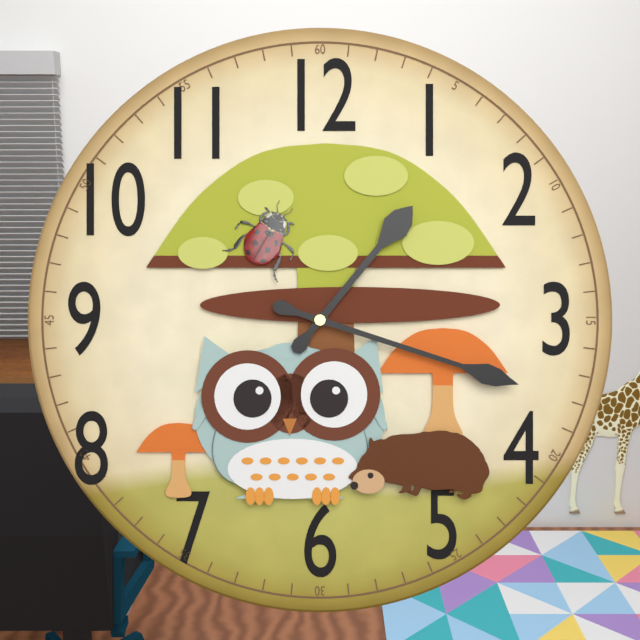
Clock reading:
1.18
